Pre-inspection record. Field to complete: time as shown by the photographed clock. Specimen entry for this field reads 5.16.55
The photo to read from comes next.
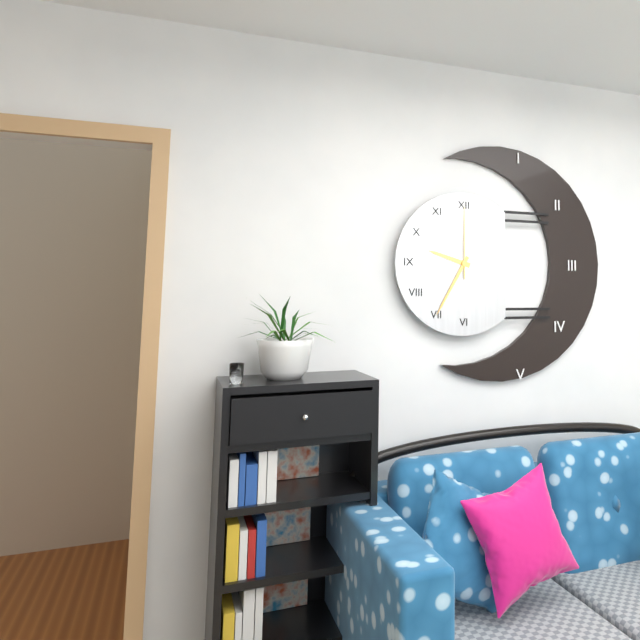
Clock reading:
9.35.00
